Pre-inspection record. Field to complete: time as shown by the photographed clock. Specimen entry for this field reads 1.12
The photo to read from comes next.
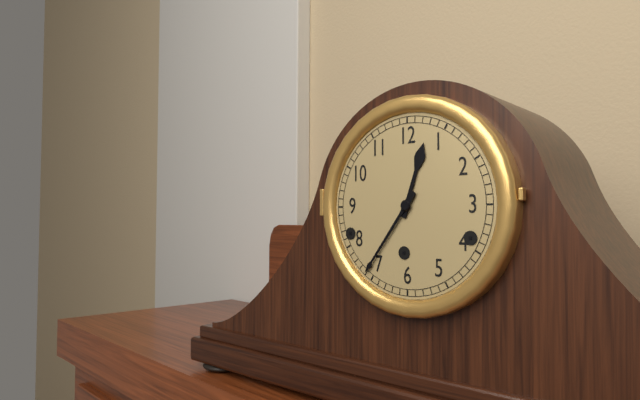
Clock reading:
12.36
